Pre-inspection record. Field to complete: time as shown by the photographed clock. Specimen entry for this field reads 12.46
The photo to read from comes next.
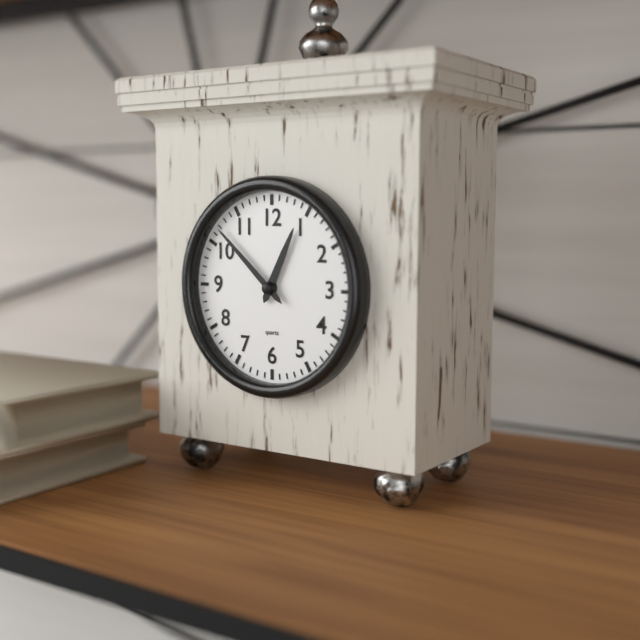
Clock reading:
12.52
